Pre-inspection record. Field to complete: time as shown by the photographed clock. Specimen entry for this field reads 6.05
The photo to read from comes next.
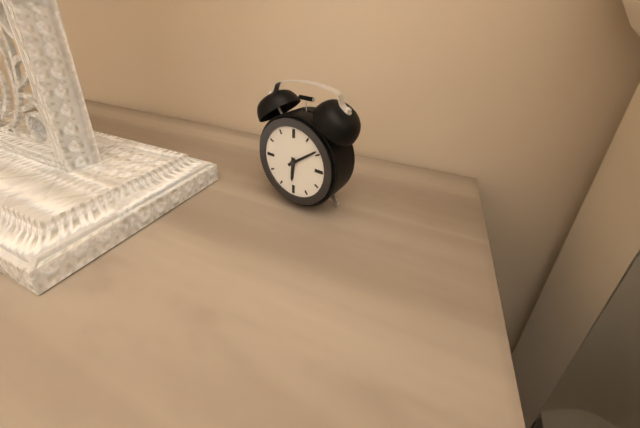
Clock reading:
6.09
